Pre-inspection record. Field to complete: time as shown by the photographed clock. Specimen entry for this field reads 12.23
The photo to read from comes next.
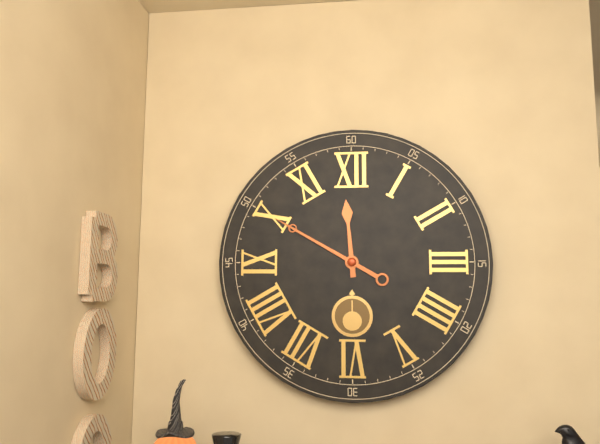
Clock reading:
11.50
